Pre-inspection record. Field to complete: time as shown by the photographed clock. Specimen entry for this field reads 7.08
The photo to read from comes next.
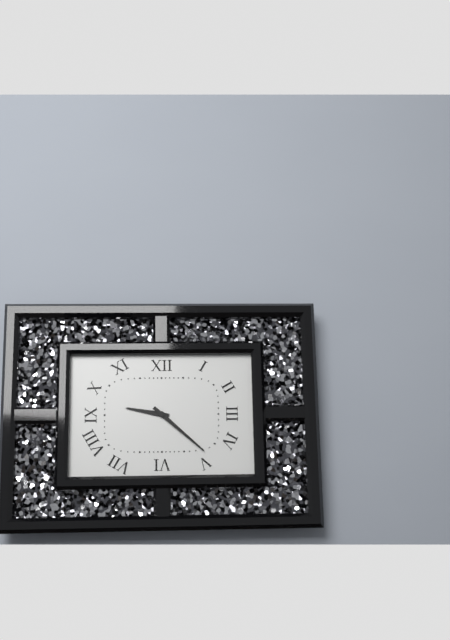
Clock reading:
9.22
